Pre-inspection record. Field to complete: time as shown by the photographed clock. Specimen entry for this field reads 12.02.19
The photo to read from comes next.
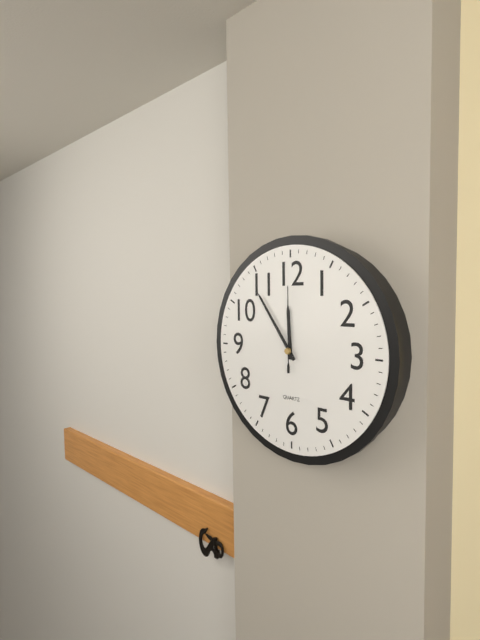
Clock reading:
11.54.00
